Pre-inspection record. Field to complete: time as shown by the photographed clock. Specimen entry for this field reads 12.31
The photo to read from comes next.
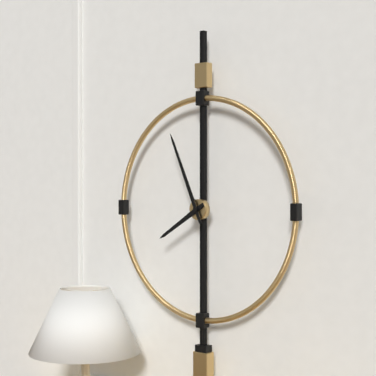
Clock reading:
7.56
